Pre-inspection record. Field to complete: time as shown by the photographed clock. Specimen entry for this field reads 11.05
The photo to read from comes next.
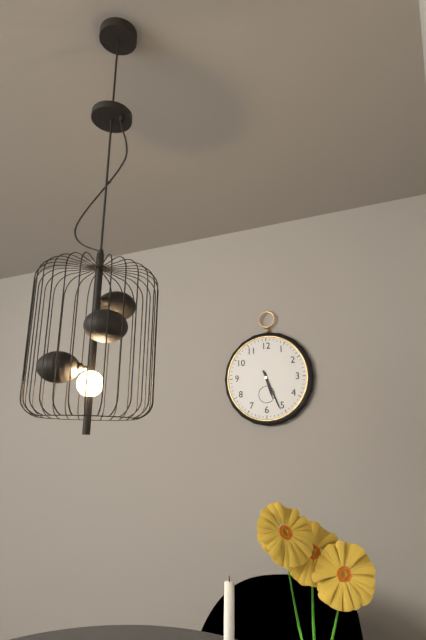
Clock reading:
5.26
